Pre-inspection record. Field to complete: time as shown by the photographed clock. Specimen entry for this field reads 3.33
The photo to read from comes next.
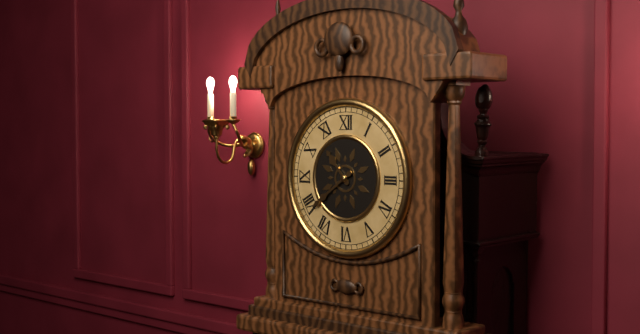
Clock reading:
10.39
